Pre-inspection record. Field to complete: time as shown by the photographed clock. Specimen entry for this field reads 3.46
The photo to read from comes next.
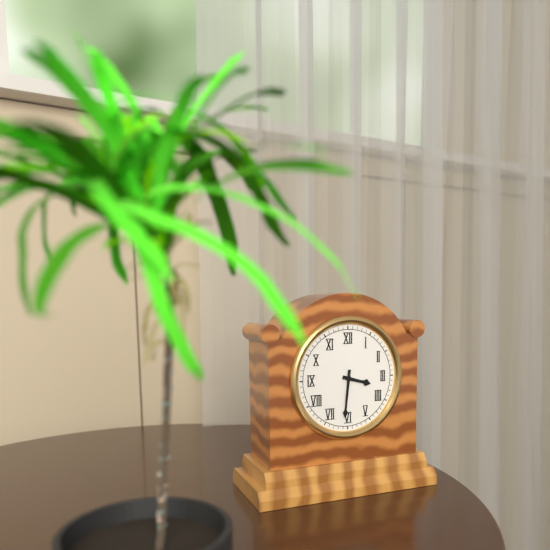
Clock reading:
3.31
